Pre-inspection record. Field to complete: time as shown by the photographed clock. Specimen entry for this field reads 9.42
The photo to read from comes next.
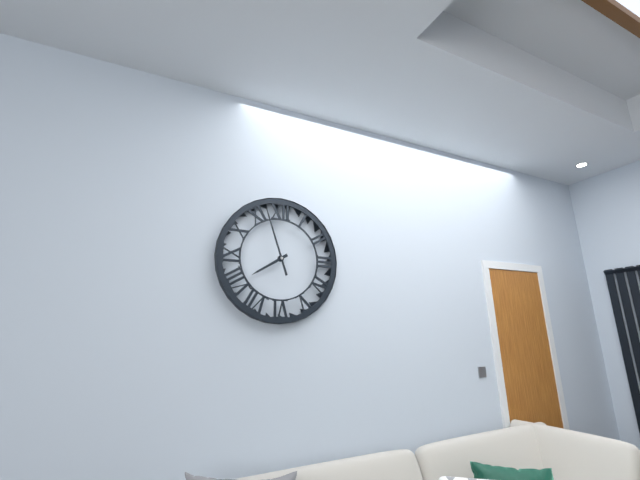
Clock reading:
7.57
